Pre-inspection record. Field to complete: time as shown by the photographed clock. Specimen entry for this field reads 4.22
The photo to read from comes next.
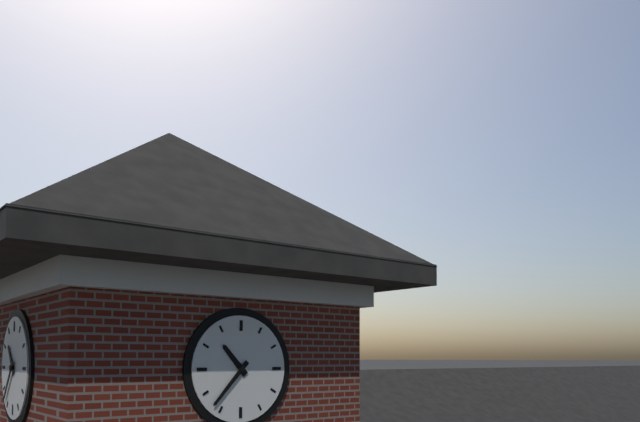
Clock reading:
10.37
